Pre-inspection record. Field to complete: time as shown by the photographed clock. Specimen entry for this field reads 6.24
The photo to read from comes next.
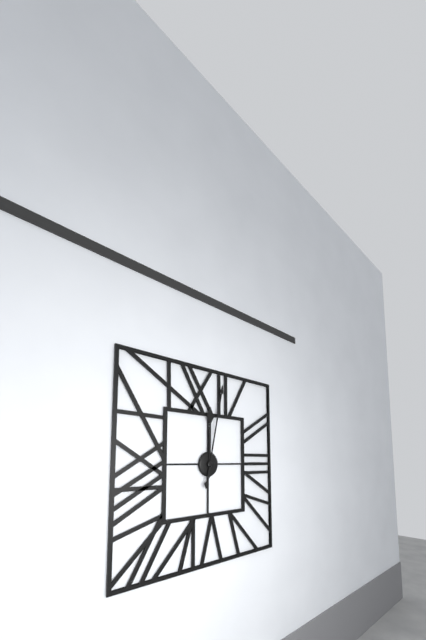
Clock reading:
12.02
